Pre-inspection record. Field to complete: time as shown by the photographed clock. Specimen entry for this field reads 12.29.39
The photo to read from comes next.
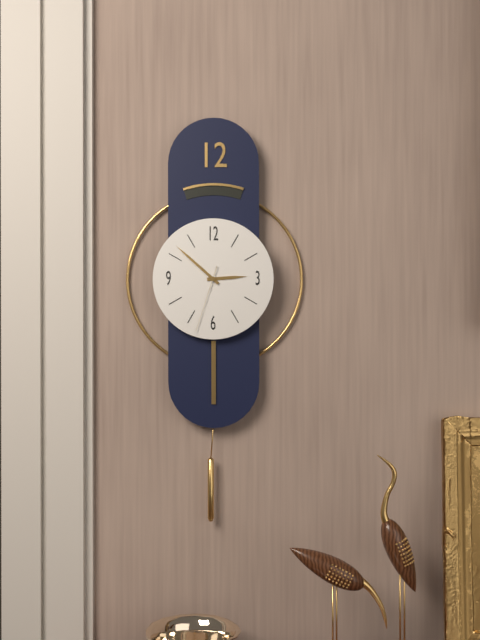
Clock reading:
2.52.33
